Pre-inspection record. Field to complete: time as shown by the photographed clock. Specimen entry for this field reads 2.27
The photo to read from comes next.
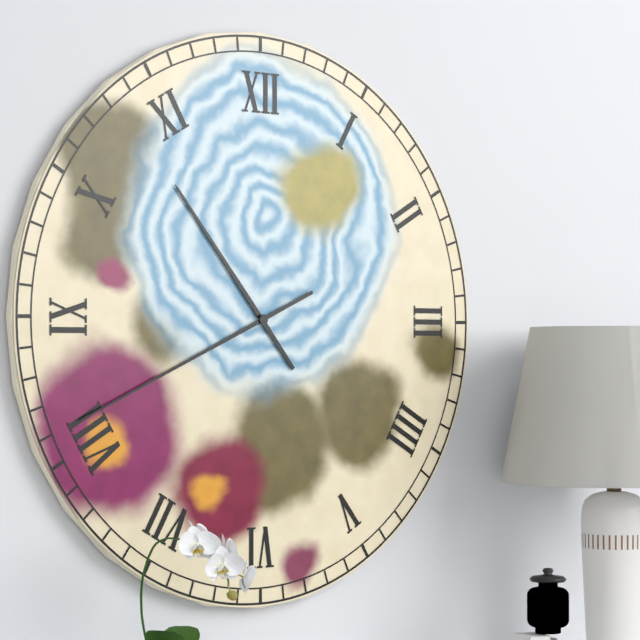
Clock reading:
10.41
